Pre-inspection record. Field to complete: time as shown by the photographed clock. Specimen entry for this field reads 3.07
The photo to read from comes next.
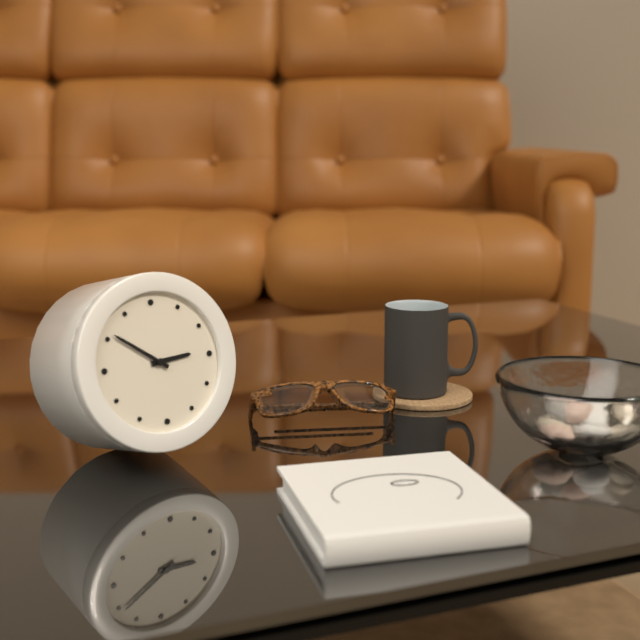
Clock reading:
2.51
